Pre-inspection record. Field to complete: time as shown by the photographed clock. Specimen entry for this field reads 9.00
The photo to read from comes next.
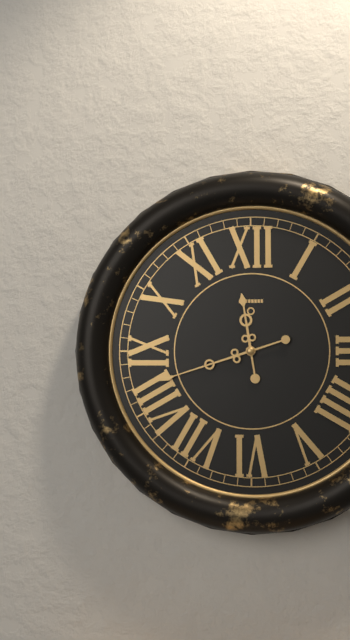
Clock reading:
11.42
